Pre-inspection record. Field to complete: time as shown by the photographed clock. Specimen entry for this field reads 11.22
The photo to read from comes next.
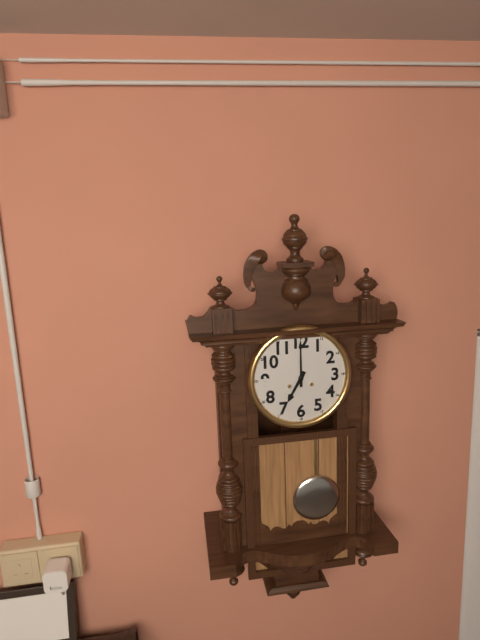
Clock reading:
7.00
